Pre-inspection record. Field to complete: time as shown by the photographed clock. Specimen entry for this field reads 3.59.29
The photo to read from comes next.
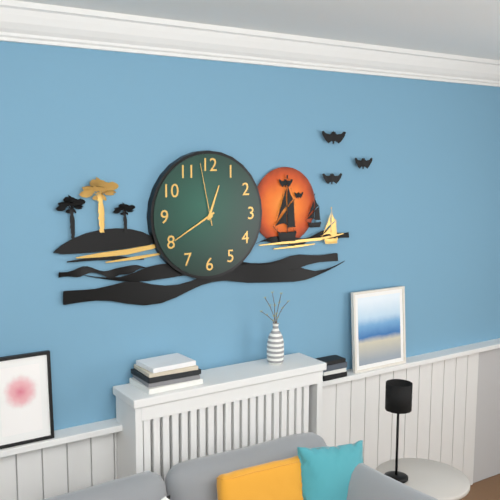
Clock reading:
12.40.58
